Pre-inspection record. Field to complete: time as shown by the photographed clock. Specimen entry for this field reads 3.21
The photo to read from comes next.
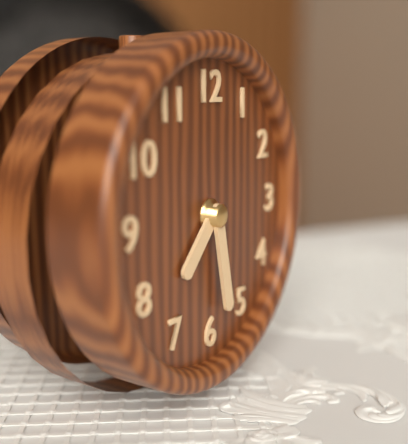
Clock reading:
7.28
